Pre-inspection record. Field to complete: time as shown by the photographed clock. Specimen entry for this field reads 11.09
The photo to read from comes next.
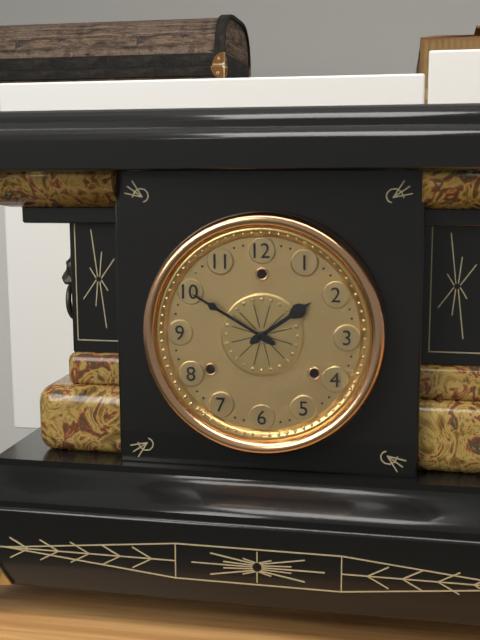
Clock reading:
1.50
